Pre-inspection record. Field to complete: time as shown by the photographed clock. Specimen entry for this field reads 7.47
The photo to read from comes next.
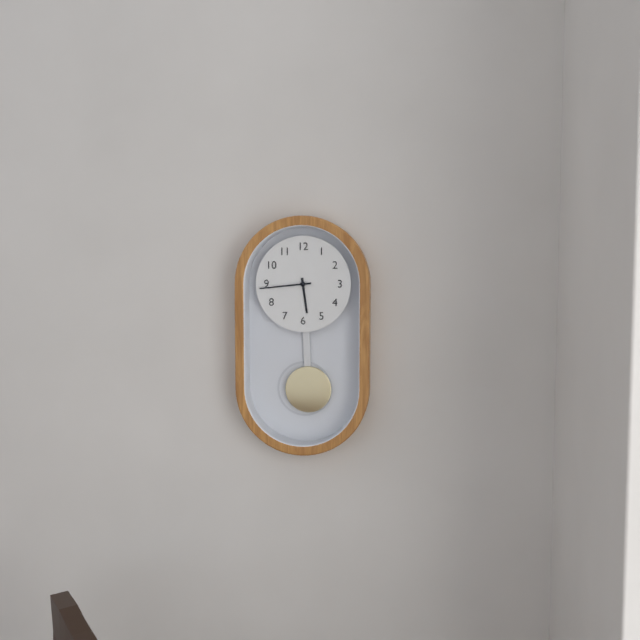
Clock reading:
5.44
